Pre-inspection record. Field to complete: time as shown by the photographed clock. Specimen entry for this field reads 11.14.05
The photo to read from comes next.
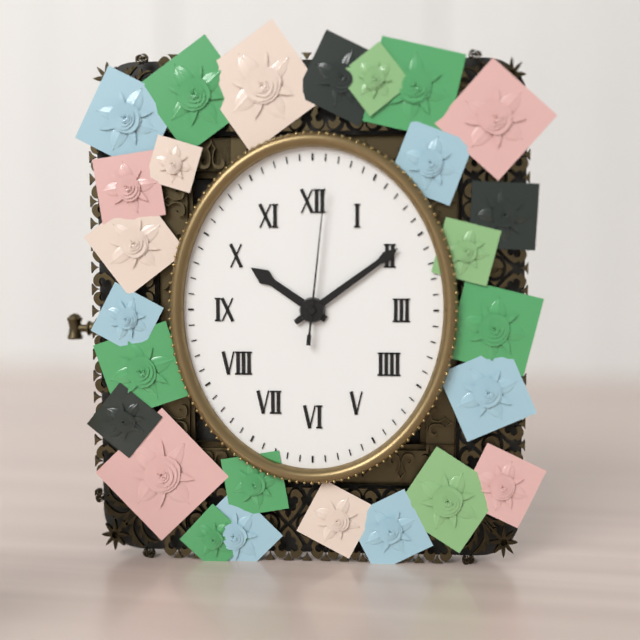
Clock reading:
10.09.01
